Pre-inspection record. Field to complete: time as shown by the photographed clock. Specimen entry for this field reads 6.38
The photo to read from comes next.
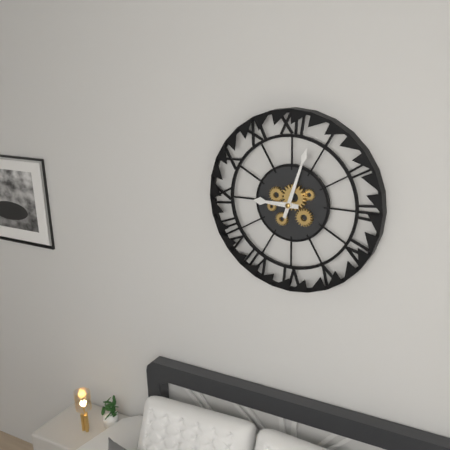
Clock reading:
9.03
